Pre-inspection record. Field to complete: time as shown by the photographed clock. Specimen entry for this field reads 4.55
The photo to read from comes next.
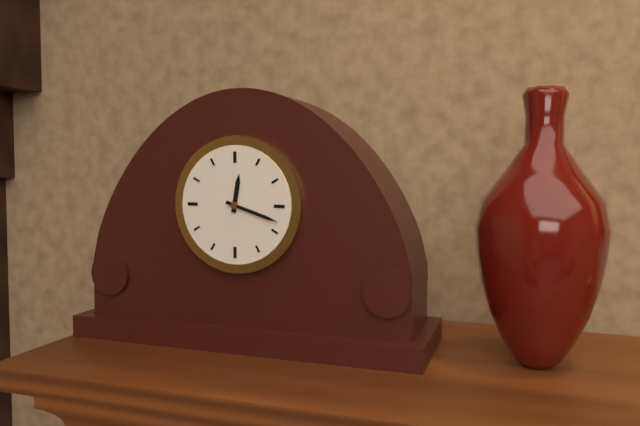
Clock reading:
12.18
